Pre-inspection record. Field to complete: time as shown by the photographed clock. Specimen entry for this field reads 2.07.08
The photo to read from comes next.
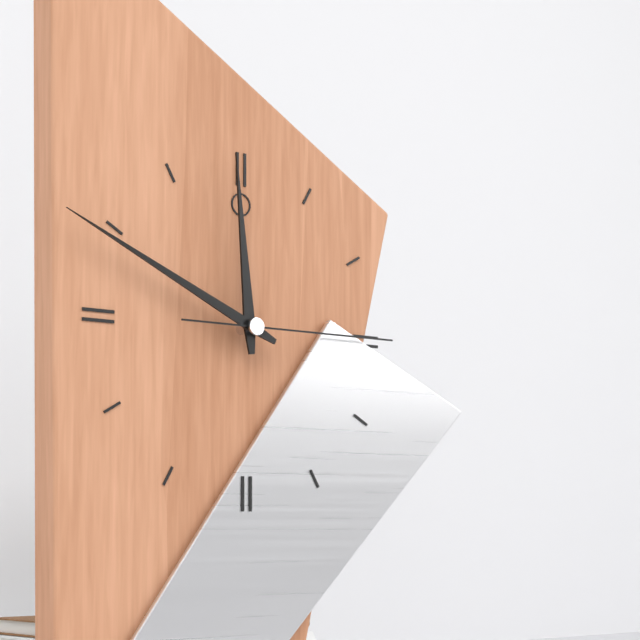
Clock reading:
11.49.15
